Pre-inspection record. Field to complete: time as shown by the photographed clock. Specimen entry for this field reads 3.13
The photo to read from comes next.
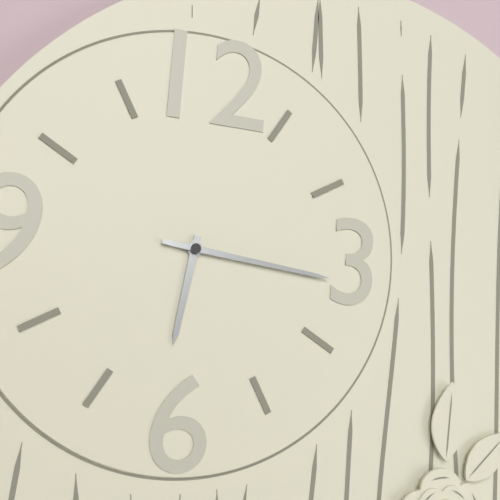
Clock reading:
6.16
